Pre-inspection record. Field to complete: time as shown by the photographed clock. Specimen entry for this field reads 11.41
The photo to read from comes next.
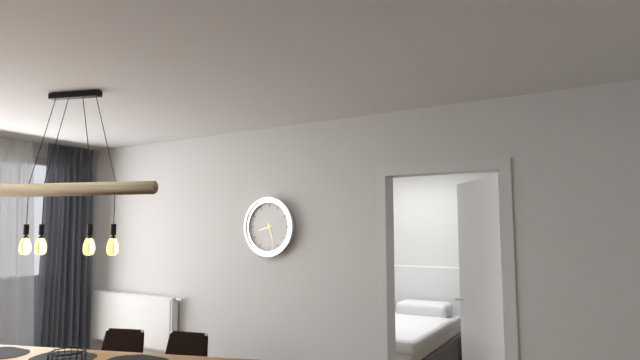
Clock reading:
8.27
